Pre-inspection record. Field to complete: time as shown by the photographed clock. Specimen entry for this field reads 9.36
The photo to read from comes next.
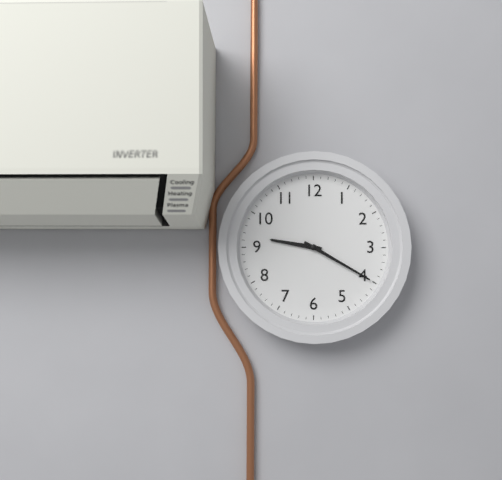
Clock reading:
9.20
